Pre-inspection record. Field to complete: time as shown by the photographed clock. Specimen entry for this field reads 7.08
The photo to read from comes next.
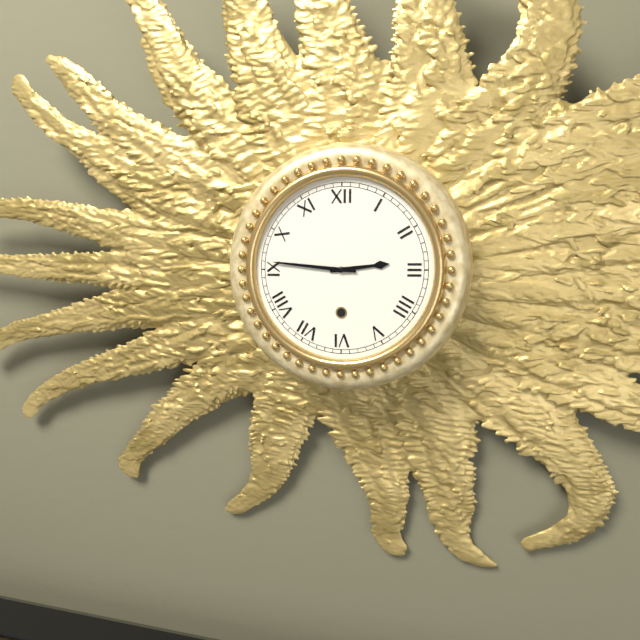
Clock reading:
2.46
